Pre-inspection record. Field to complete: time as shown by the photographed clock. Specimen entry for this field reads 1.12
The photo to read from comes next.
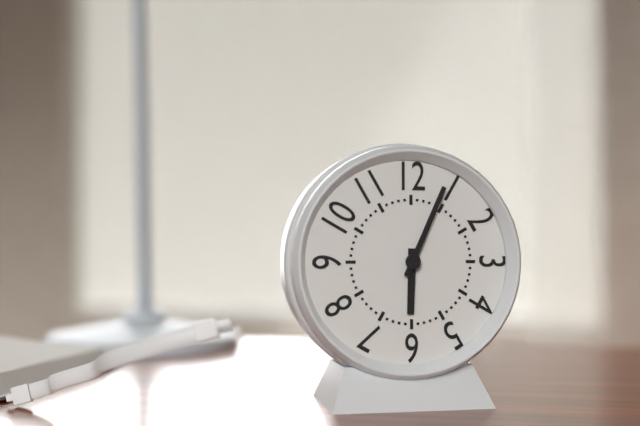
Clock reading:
6.04
